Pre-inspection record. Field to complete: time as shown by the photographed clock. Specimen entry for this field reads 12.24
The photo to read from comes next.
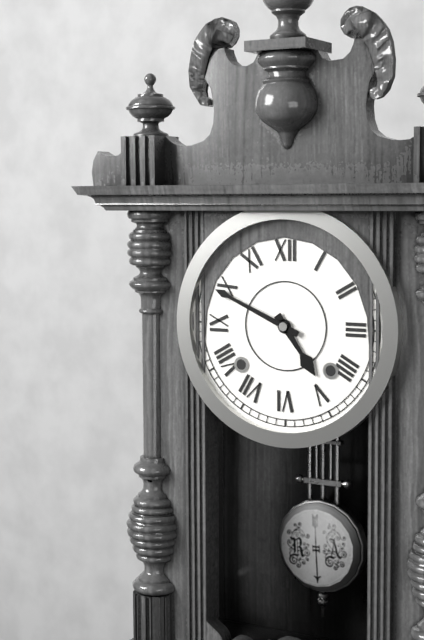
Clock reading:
4.49
